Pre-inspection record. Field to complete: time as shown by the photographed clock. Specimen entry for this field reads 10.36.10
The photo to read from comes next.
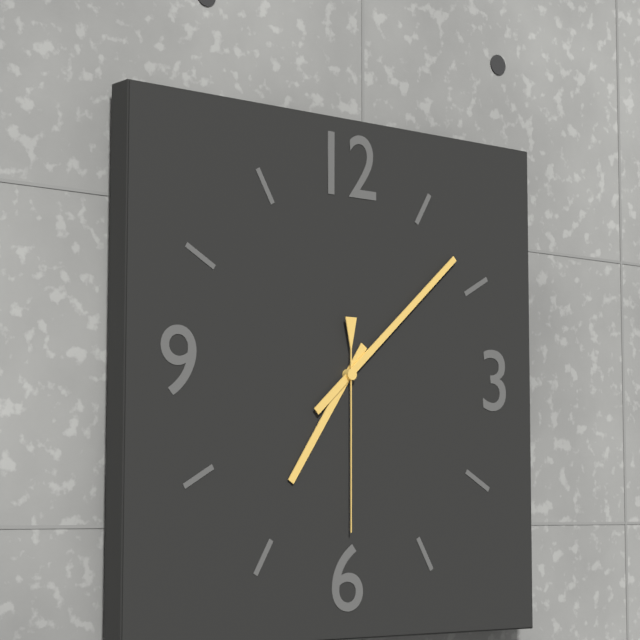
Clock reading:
7.08.30
